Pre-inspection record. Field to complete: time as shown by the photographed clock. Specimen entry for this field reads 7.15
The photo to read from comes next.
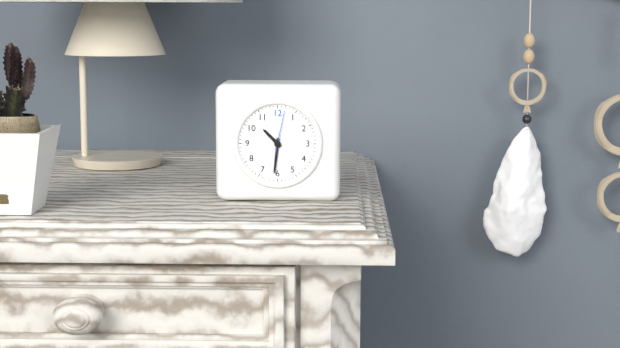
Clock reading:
10.31
